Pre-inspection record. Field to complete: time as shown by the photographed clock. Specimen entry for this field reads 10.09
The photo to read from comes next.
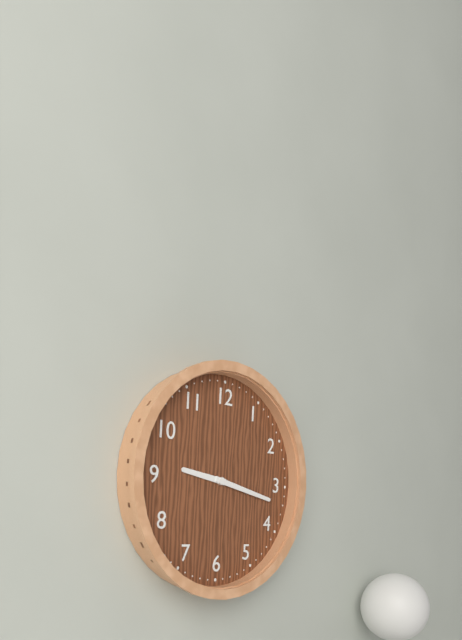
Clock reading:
9.17
